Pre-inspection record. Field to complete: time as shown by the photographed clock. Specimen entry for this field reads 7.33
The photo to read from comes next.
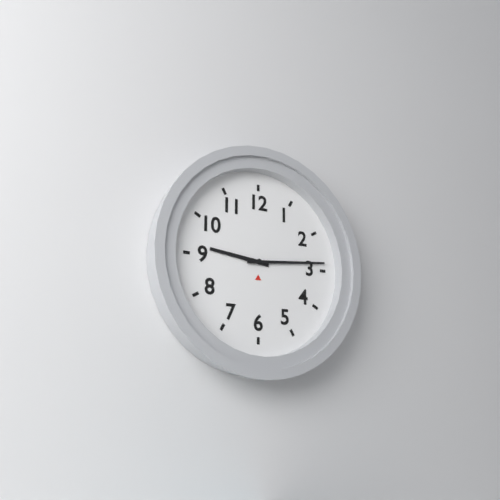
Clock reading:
9.14
